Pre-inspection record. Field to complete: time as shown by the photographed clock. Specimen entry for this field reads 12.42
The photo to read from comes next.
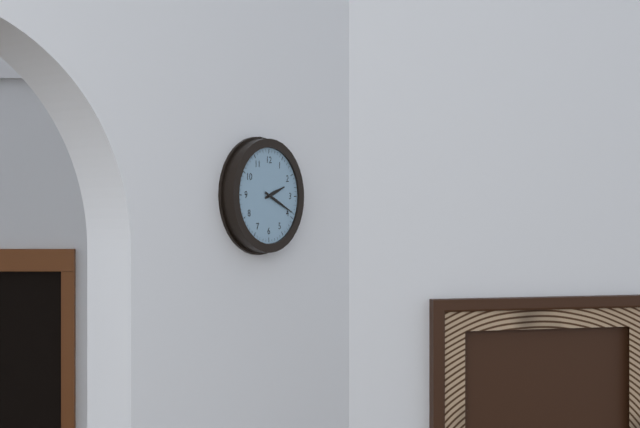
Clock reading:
2.19
